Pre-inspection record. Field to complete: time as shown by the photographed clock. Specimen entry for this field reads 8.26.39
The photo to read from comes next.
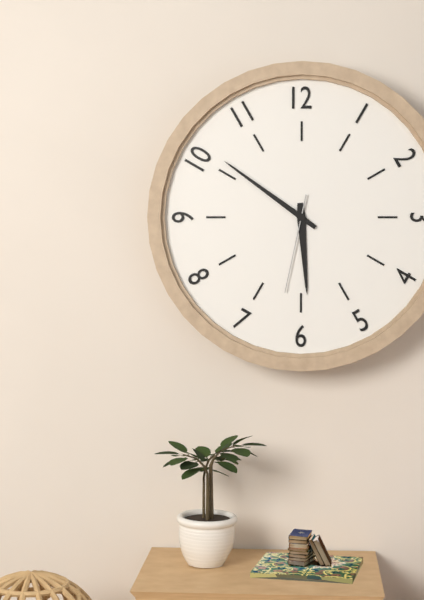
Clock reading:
5.51.32
